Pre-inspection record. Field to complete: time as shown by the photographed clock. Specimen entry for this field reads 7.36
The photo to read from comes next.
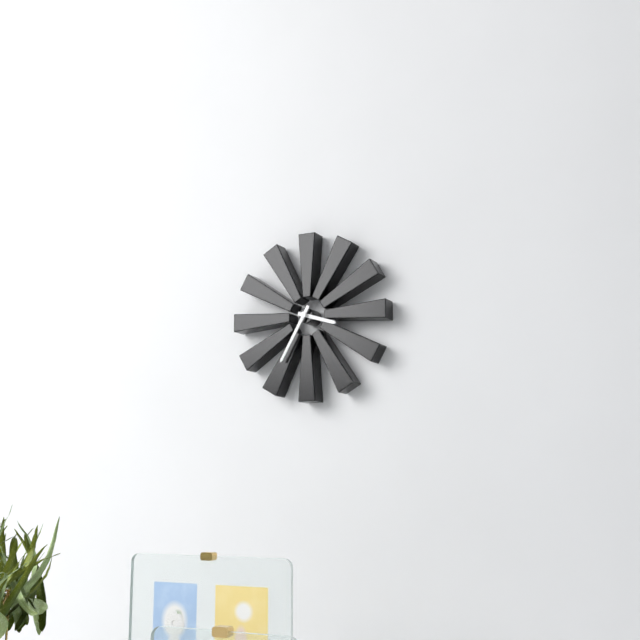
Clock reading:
3.35
